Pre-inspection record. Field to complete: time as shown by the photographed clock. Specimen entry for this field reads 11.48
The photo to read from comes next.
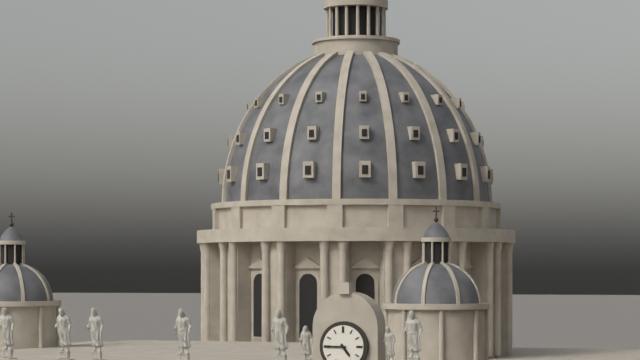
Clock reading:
4.45
